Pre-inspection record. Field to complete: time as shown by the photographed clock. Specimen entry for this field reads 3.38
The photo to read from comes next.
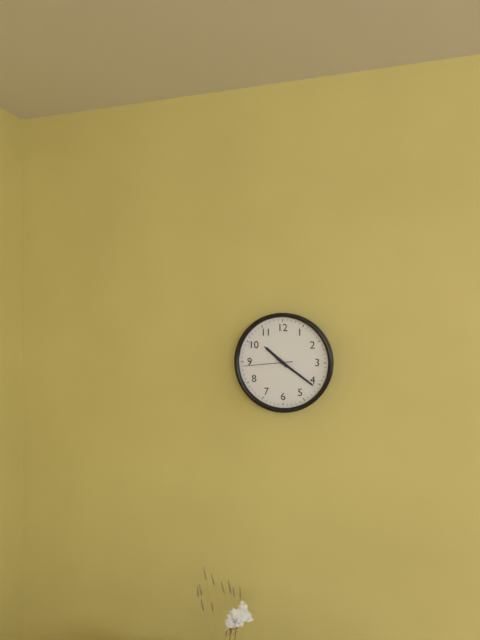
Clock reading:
10.21
